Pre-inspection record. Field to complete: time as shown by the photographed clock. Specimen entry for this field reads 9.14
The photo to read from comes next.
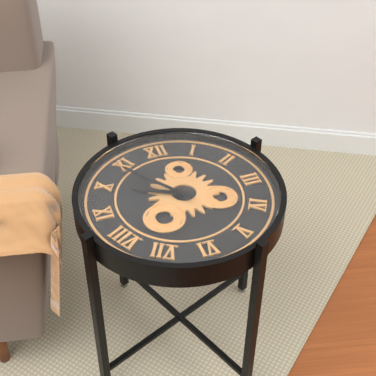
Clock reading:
9.54
